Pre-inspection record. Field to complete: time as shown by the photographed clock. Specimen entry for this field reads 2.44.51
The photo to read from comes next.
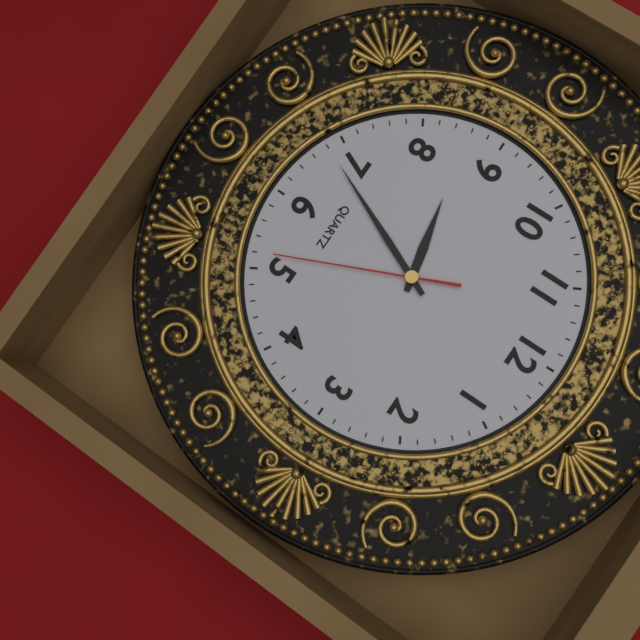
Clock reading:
8.34.26
